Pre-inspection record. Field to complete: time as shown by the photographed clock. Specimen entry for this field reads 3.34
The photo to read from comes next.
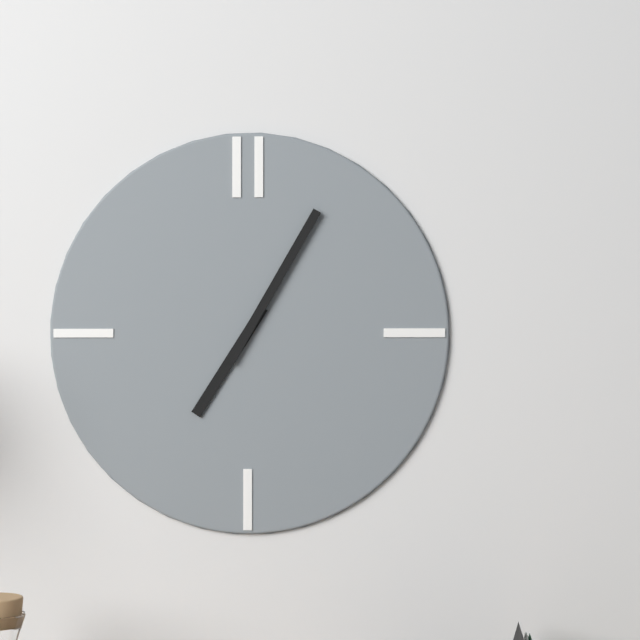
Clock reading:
7.05
